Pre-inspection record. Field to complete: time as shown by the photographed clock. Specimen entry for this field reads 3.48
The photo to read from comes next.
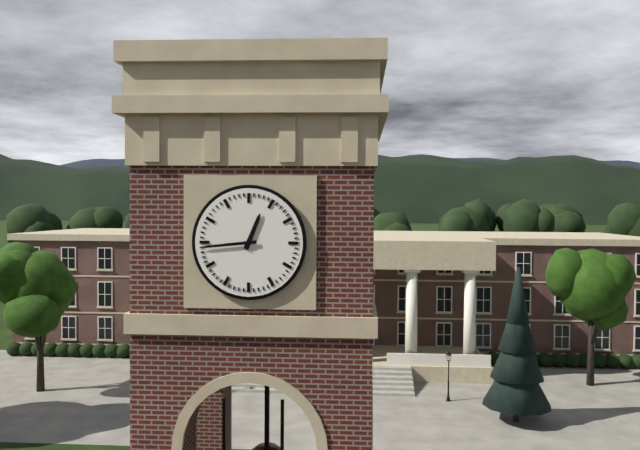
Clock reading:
12.44
